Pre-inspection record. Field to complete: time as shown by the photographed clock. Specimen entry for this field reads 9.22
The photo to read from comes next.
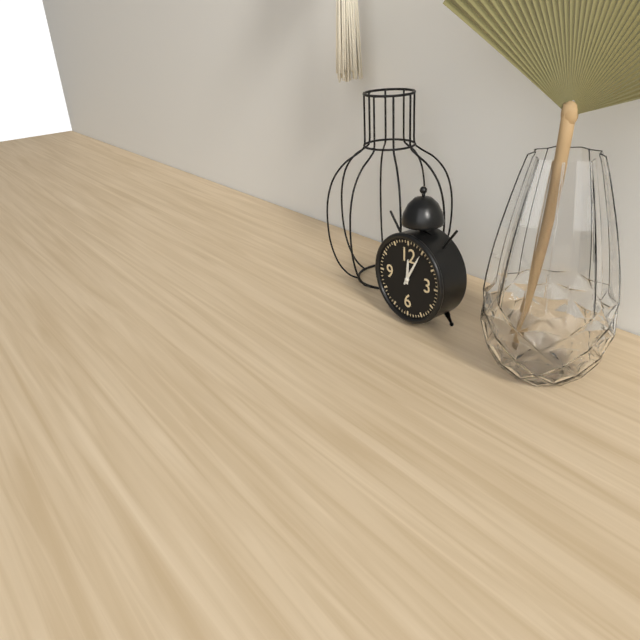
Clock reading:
12.05
